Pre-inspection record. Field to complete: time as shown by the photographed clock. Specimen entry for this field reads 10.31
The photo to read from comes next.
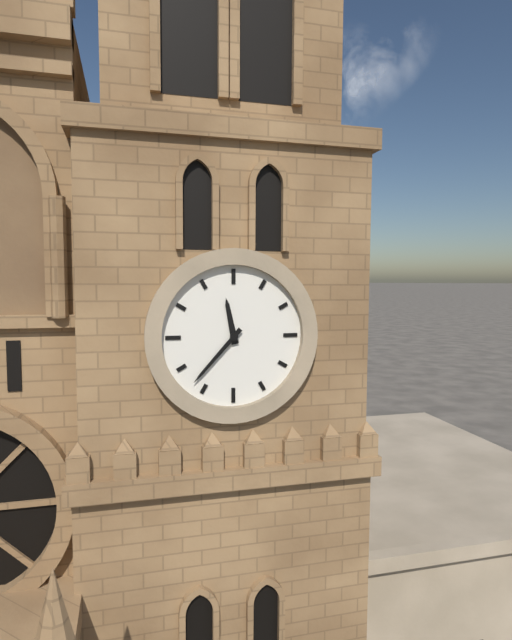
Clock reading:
11.37
